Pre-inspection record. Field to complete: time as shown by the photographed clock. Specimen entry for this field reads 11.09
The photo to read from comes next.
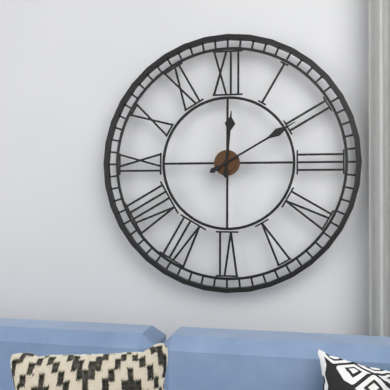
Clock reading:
12.10
